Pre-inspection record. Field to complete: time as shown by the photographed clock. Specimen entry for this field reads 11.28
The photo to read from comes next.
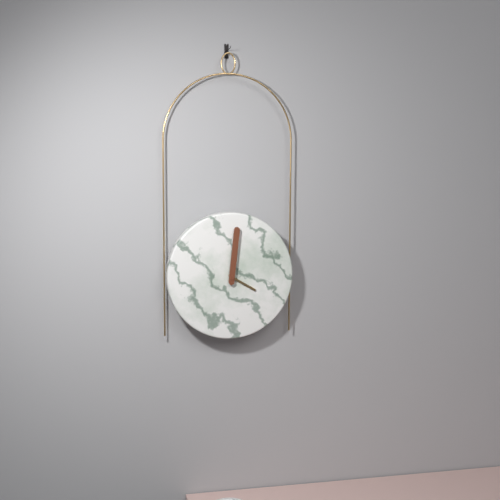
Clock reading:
4.01
